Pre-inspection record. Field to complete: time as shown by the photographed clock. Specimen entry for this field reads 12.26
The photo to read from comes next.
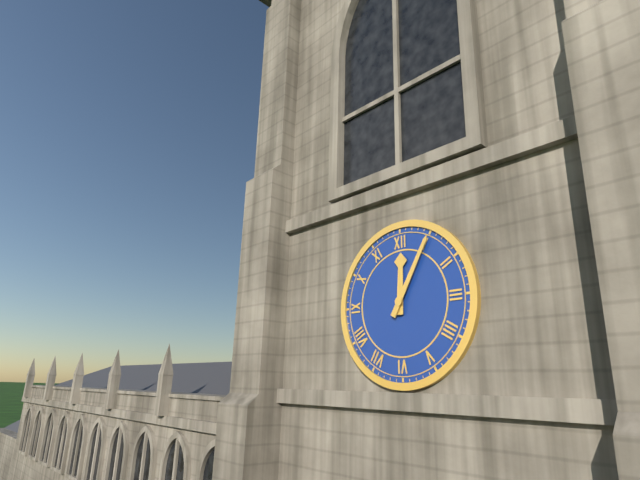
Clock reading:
12.05
